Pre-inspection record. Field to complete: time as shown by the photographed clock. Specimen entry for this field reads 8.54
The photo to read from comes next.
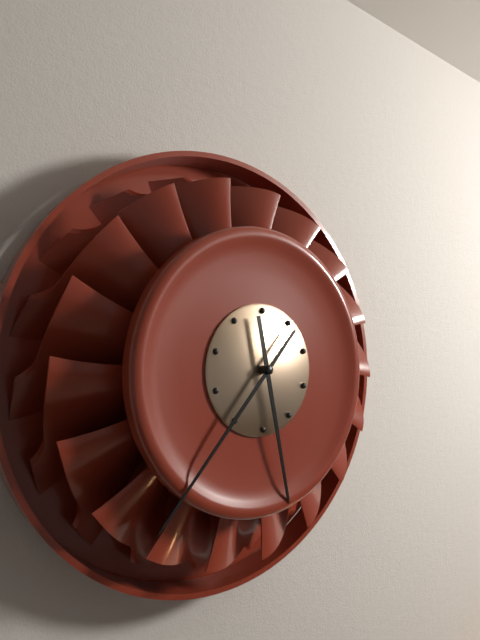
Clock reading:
5.37
